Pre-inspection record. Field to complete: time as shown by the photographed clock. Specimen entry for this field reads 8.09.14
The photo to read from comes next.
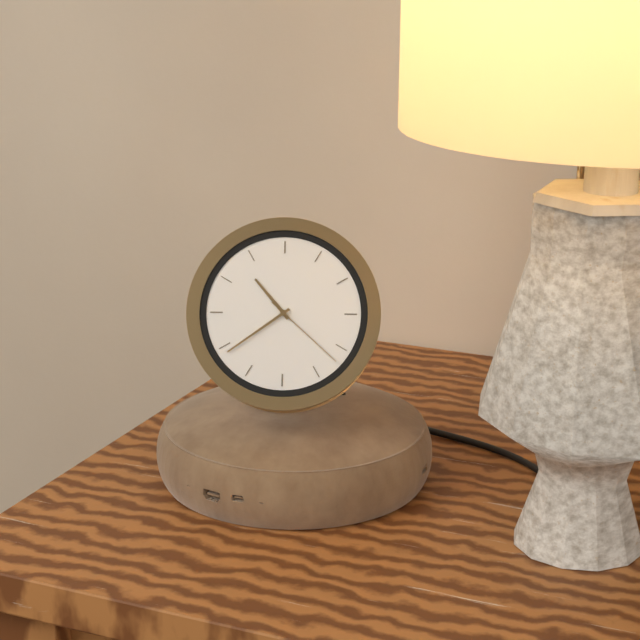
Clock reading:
10.39.22
